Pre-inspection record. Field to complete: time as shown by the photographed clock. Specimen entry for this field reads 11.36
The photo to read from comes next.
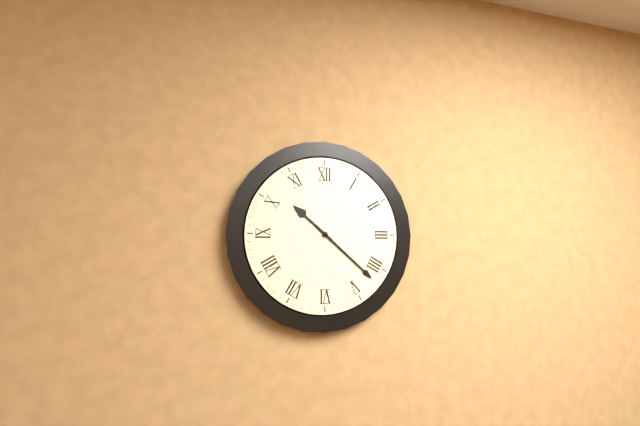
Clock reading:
10.22
